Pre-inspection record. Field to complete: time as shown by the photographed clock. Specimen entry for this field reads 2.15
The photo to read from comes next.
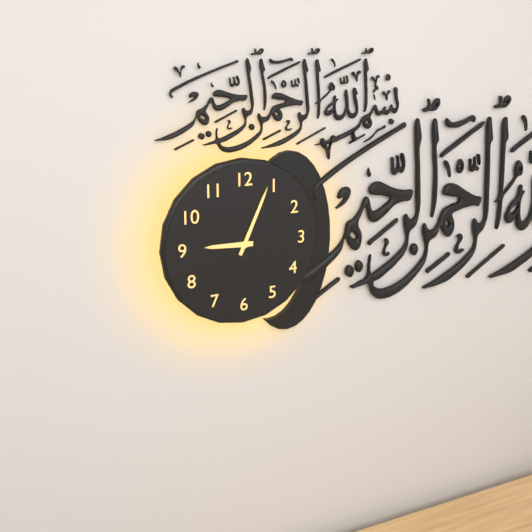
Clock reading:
9.04
